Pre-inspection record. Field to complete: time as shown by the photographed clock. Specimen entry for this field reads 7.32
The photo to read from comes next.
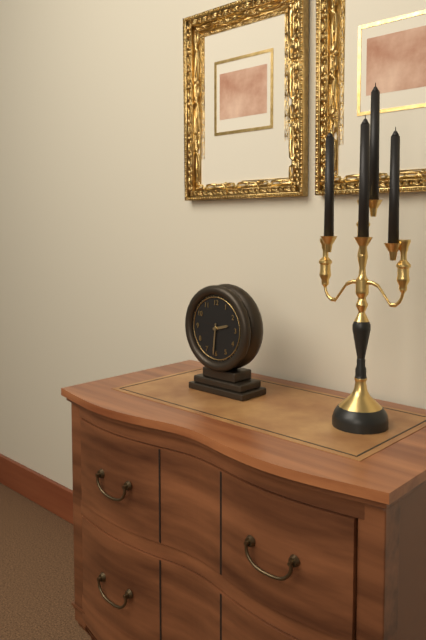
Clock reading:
2.31
